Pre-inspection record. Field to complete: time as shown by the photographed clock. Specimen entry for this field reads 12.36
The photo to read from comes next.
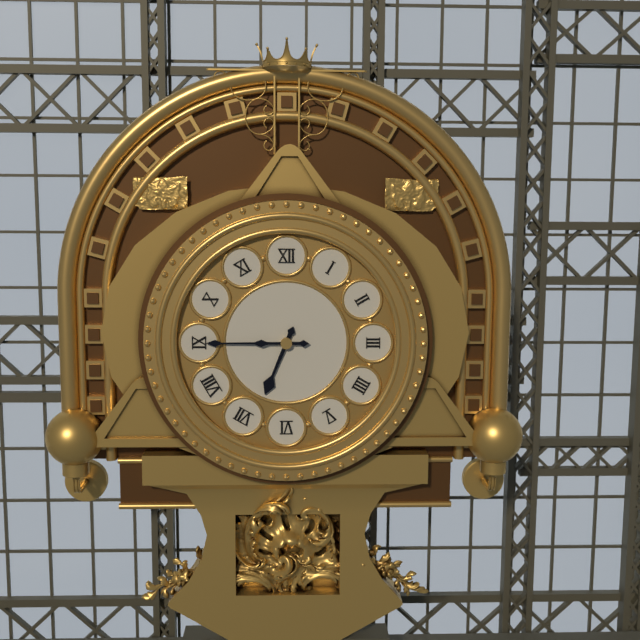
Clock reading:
6.45
